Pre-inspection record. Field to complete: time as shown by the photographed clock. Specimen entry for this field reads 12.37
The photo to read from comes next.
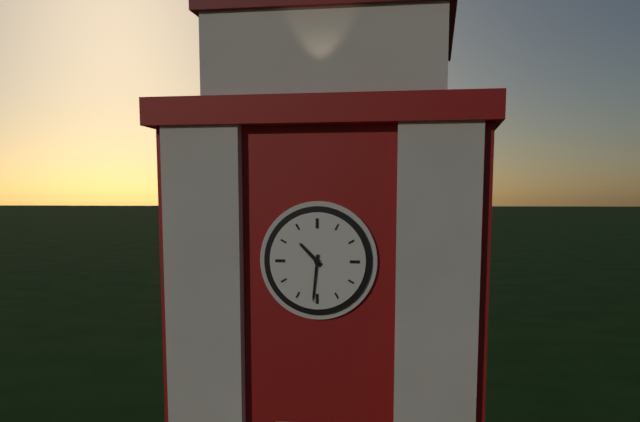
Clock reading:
10.31
